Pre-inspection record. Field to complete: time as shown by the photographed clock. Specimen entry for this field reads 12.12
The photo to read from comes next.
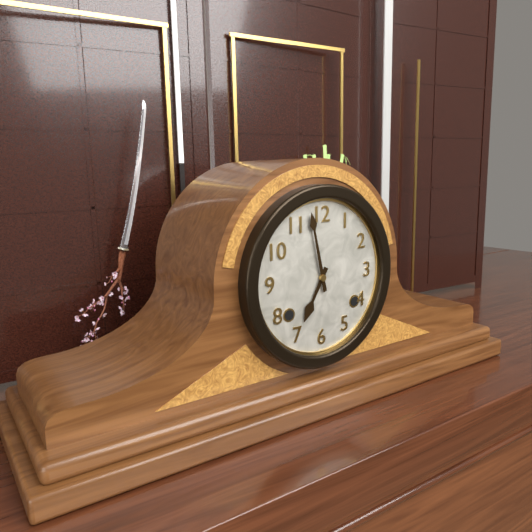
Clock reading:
6.58
